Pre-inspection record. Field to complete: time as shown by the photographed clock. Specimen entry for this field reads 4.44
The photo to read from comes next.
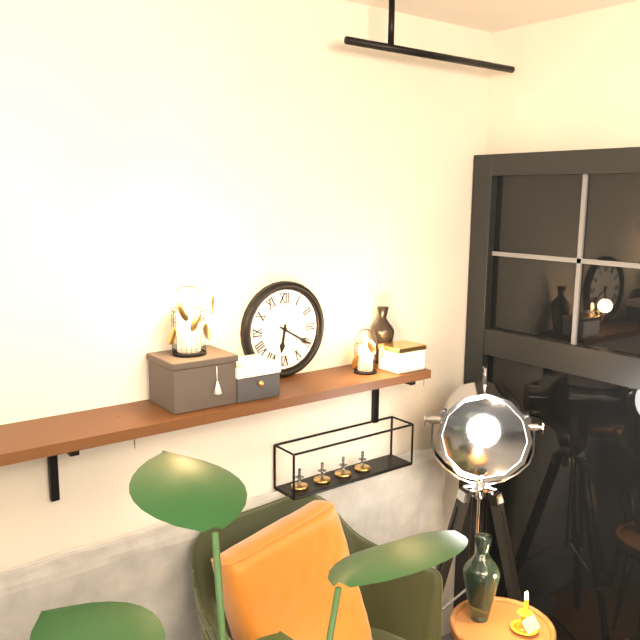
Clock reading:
6.20
